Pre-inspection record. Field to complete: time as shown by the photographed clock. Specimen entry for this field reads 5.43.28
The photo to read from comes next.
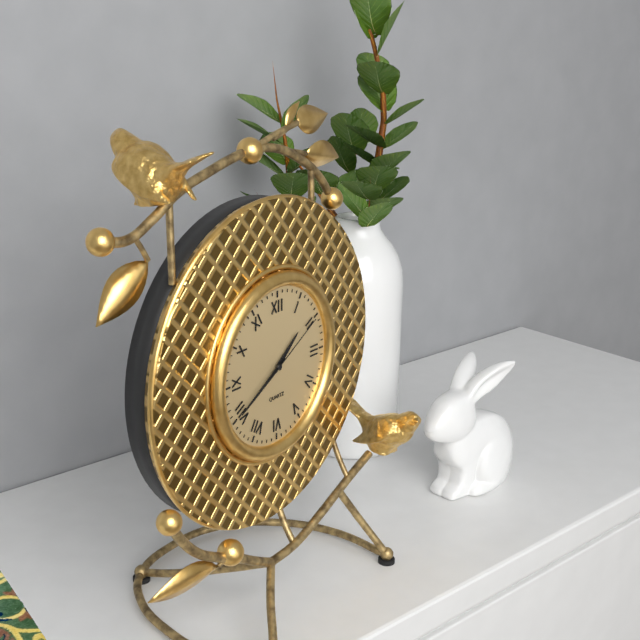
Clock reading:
1.40.10
